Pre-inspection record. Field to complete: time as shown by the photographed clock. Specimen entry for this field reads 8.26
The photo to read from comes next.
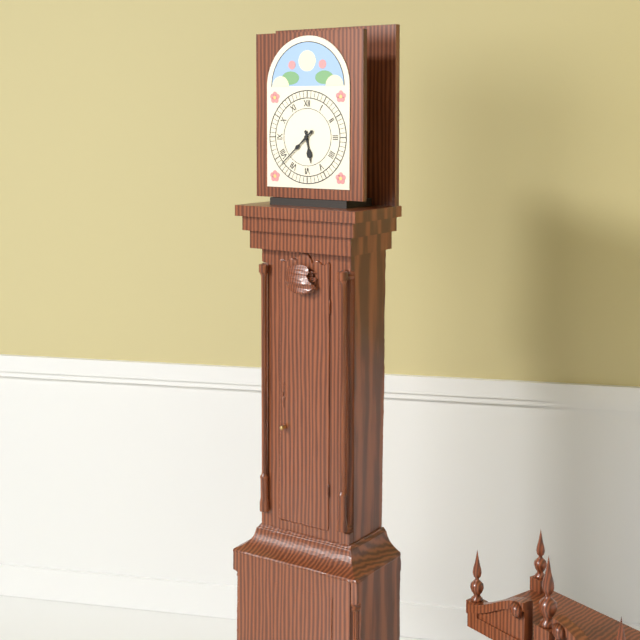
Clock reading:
5.38
